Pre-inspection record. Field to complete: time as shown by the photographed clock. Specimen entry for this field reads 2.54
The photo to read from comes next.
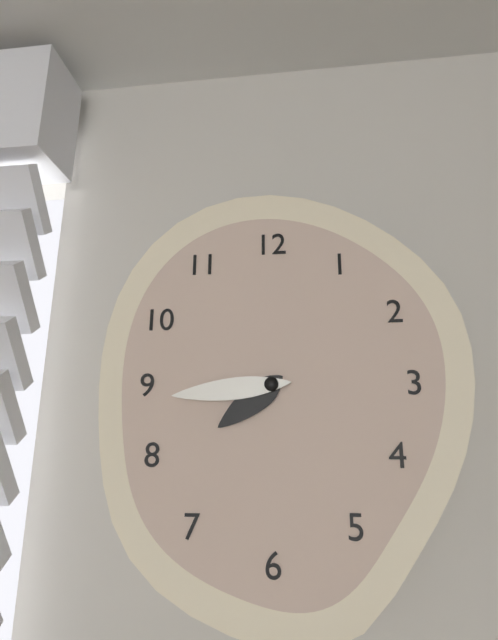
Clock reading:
7.44
